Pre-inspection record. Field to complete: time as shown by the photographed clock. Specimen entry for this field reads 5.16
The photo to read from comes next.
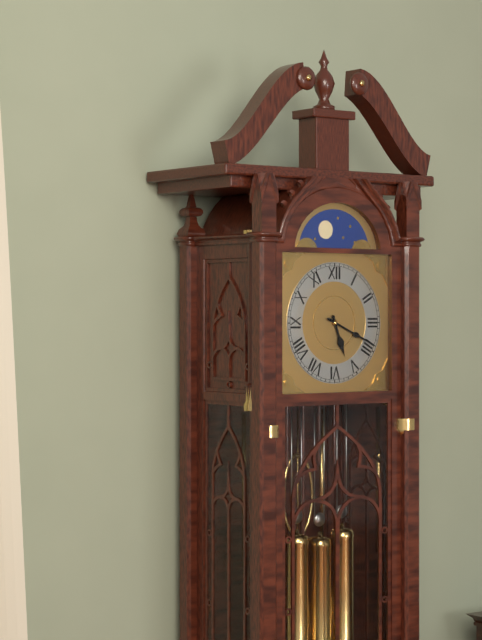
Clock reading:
5.19
